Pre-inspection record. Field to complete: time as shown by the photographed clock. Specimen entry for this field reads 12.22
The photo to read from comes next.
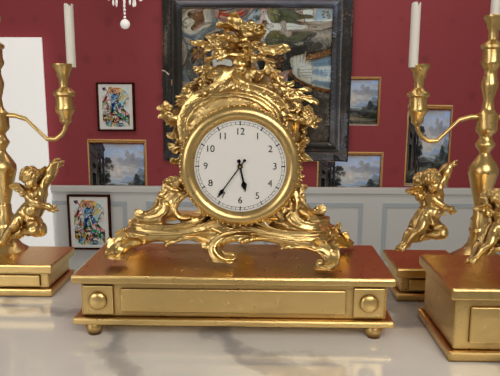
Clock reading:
5.36
